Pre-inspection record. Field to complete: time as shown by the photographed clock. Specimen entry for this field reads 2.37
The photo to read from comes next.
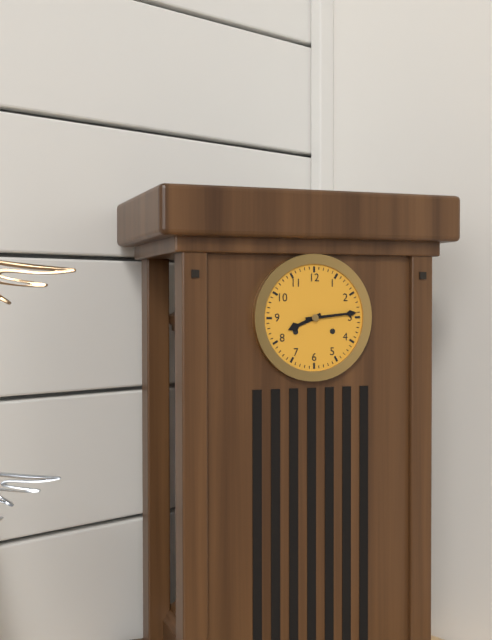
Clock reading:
8.14
